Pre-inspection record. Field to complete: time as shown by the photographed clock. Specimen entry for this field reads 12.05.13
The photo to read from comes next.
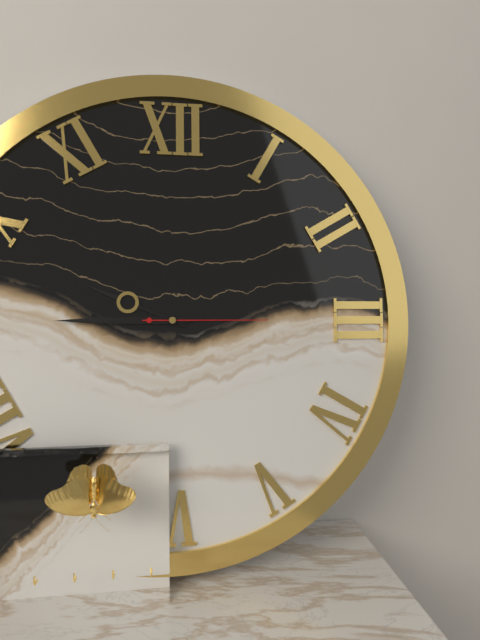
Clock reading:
9.45.15
